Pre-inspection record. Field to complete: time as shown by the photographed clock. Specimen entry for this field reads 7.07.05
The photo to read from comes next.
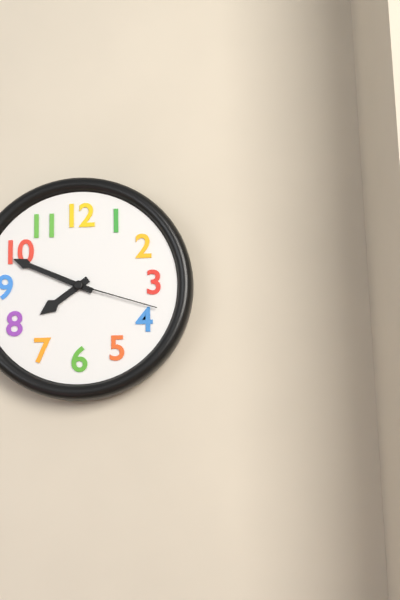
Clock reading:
7.49.18
